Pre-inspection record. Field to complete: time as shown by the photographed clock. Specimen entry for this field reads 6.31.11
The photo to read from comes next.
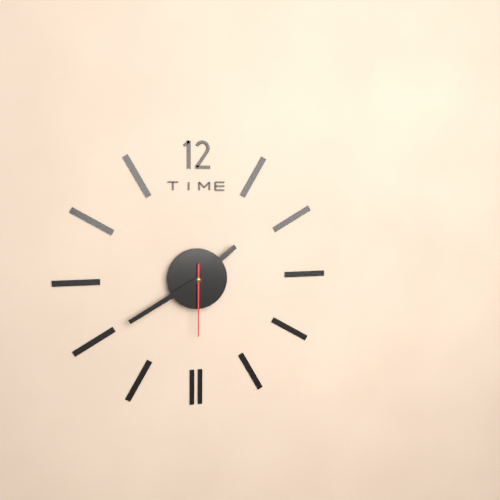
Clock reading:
1.40.30
